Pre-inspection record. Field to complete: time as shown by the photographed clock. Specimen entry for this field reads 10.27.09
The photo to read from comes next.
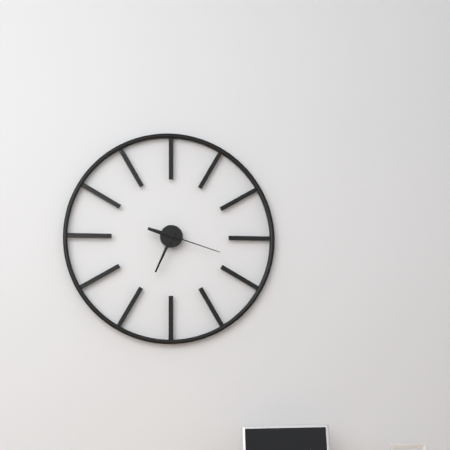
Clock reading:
9.34.18
